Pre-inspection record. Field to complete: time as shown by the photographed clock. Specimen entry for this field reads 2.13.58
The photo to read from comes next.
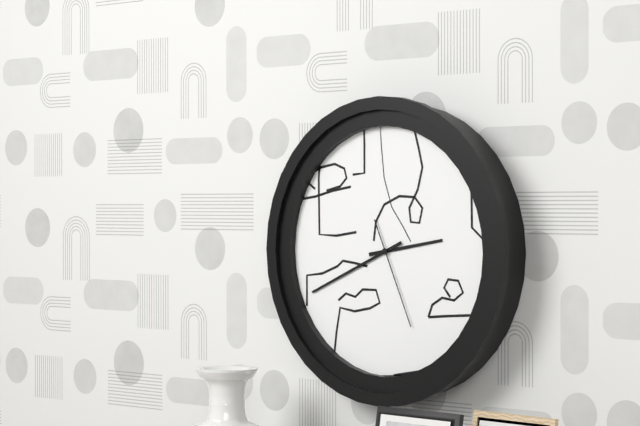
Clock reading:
2.41.26
